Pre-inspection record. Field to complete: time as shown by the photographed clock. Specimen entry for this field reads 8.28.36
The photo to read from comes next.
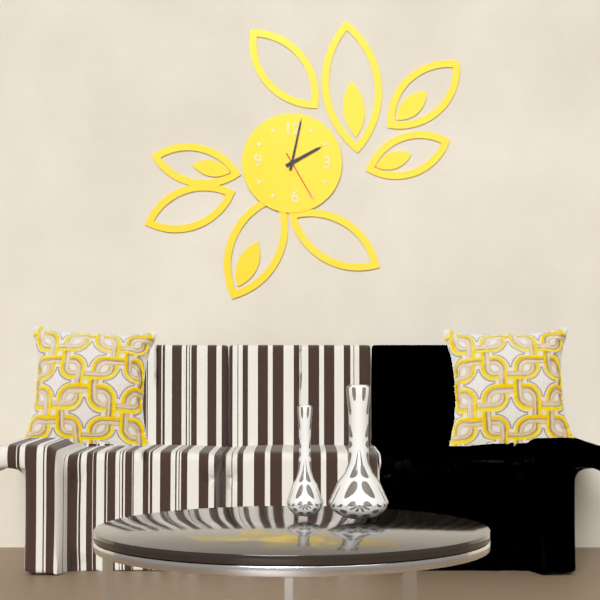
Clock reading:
2.02.25
